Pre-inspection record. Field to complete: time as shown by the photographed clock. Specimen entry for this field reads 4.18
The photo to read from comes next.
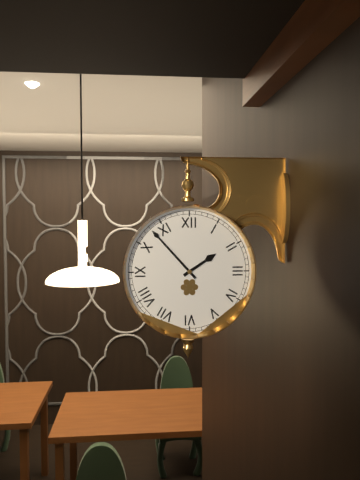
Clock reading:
1.53
